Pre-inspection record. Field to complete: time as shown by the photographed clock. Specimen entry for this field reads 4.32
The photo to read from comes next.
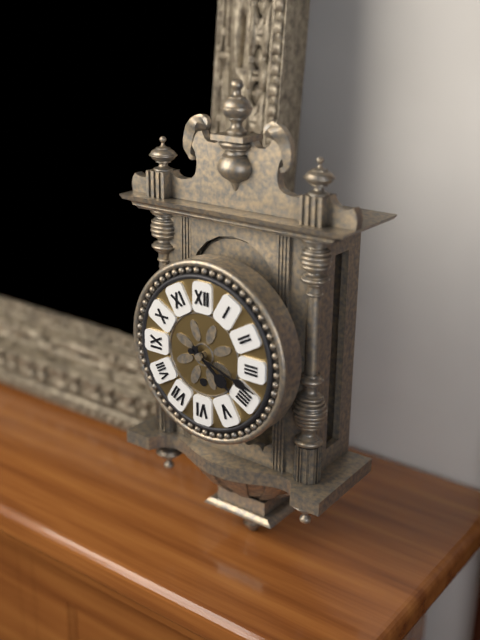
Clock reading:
4.18
